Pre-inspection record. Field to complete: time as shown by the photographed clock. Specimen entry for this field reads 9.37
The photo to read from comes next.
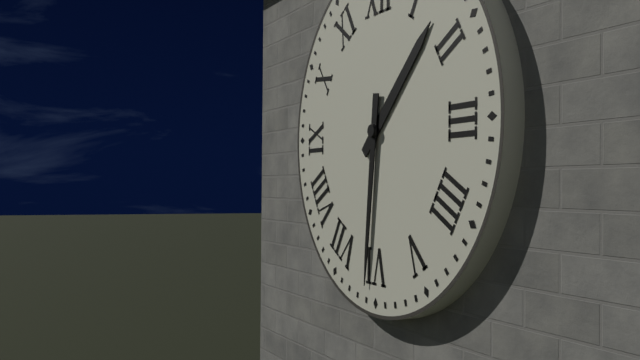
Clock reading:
1.31
